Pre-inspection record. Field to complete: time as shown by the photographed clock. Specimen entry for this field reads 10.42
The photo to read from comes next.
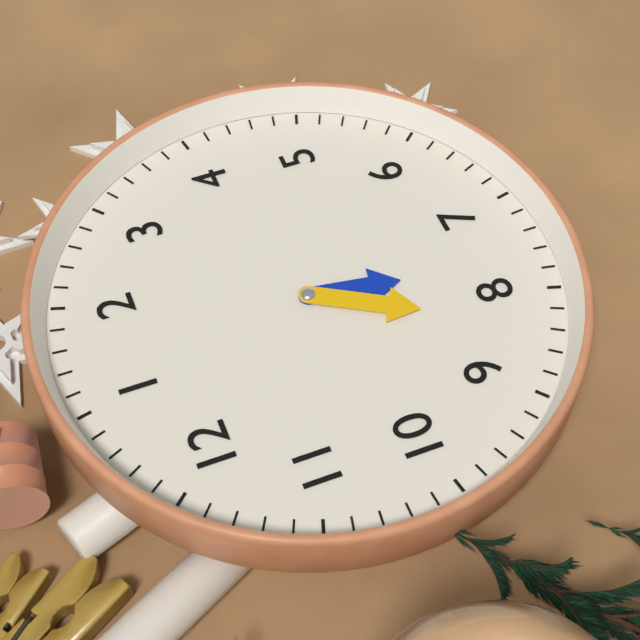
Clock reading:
7.42
